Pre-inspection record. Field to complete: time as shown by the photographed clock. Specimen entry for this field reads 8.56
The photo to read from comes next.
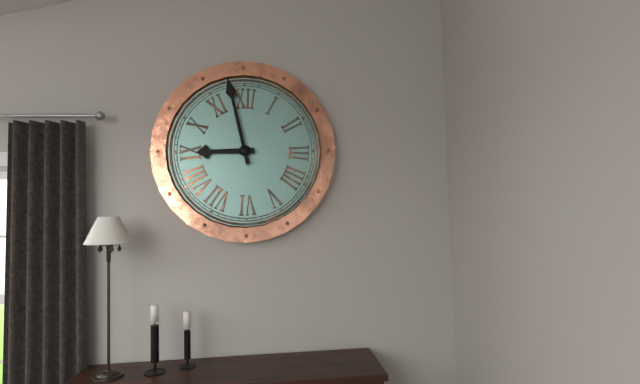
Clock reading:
8.58
